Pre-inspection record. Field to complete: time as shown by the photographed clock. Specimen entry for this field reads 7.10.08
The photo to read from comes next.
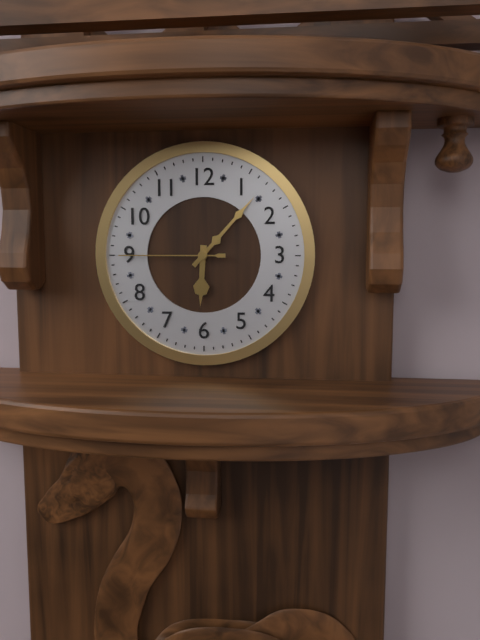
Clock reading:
6.07.45
